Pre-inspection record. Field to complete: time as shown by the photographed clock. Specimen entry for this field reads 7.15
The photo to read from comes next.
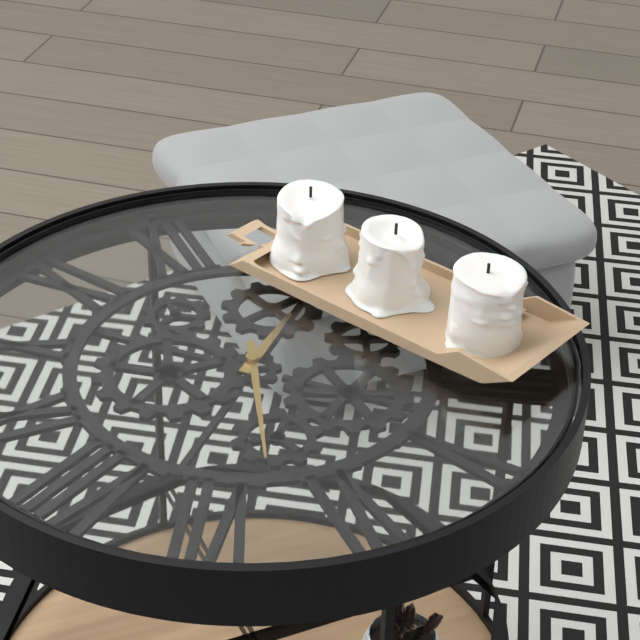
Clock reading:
1.33
